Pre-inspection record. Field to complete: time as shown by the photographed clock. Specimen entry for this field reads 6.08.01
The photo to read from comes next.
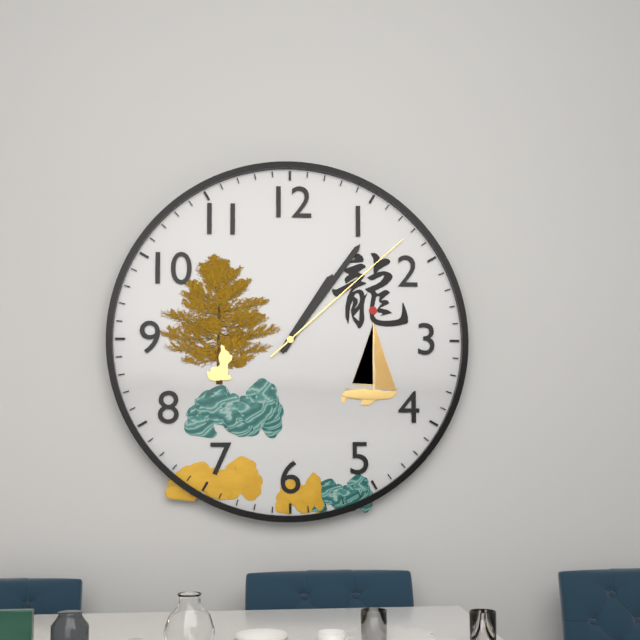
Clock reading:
1.06.08
